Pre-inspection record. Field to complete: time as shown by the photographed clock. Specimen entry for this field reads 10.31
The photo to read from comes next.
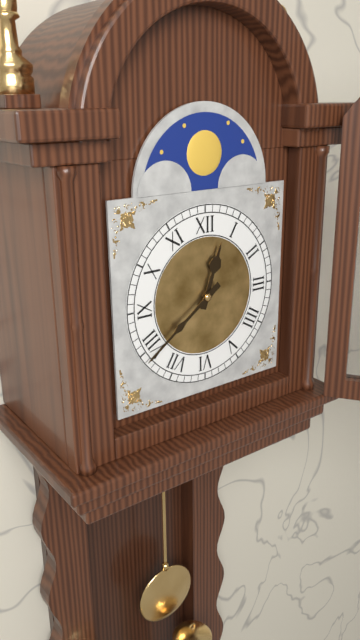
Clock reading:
12.39
